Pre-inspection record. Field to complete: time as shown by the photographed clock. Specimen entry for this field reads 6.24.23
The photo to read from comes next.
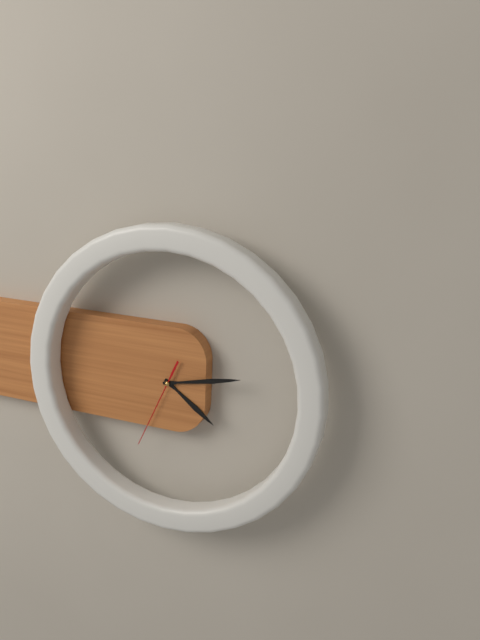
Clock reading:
4.13.34
